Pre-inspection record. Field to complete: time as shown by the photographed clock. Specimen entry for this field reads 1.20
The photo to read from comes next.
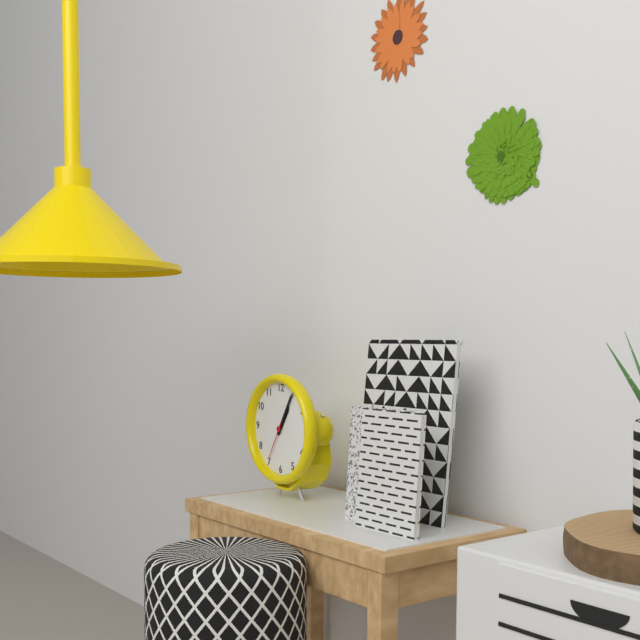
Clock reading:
1.05
